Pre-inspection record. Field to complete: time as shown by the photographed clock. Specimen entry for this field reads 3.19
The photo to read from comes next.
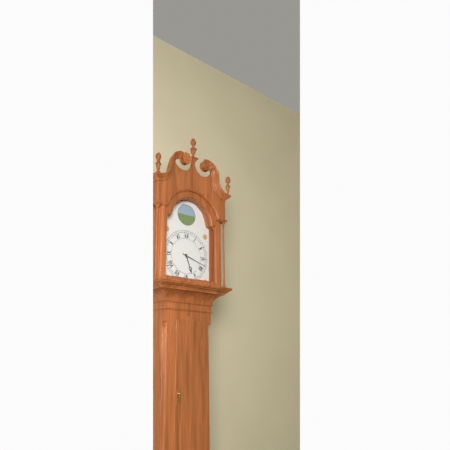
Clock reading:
5.18
